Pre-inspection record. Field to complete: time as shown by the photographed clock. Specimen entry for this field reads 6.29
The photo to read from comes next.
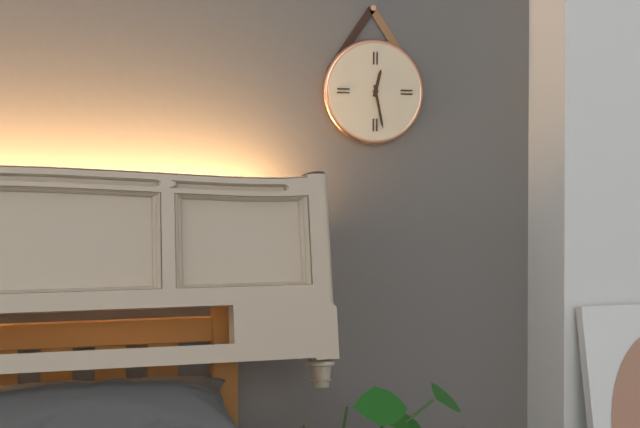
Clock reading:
12.28
